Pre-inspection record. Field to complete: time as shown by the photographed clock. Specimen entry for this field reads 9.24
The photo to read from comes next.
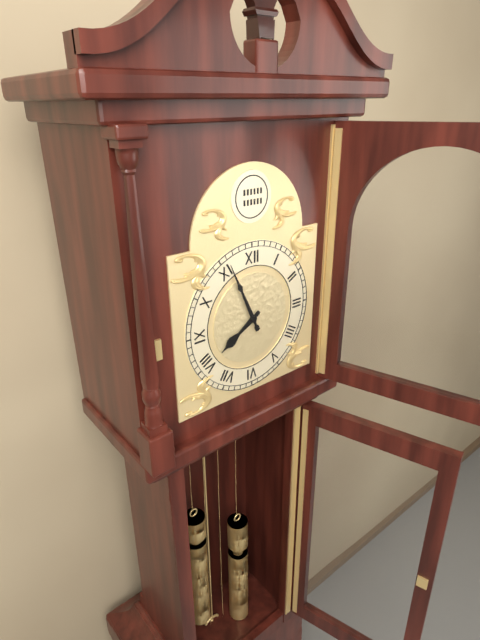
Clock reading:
7.56
